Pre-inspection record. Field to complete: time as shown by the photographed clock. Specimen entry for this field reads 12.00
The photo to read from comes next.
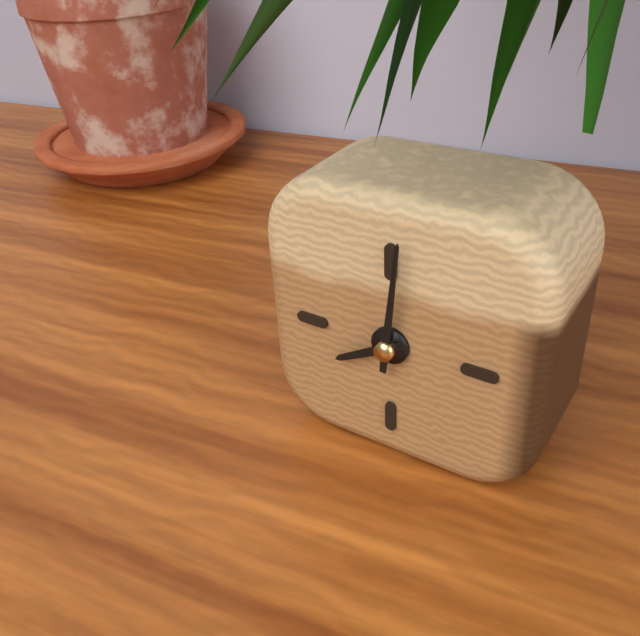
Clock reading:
8.01
